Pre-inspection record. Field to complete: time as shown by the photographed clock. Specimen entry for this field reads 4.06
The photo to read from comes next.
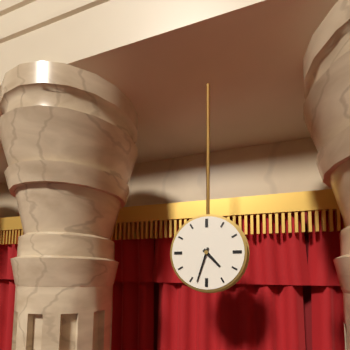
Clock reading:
4.33
